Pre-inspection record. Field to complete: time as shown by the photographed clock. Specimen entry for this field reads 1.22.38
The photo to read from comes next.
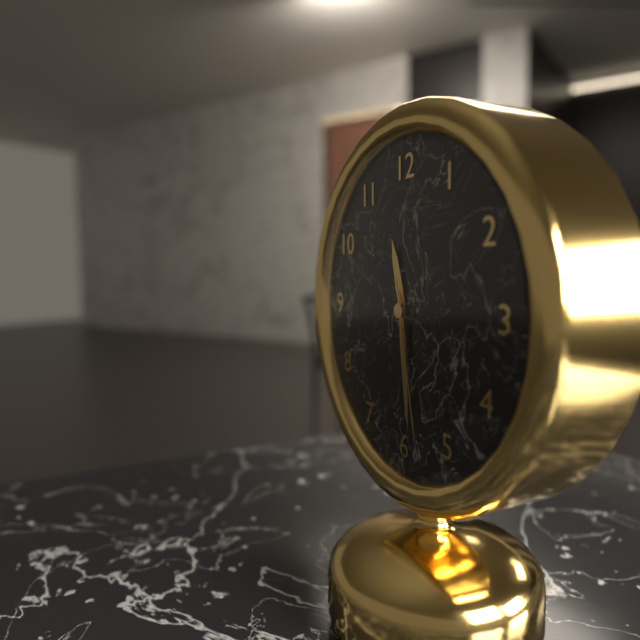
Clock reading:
11.29.28
